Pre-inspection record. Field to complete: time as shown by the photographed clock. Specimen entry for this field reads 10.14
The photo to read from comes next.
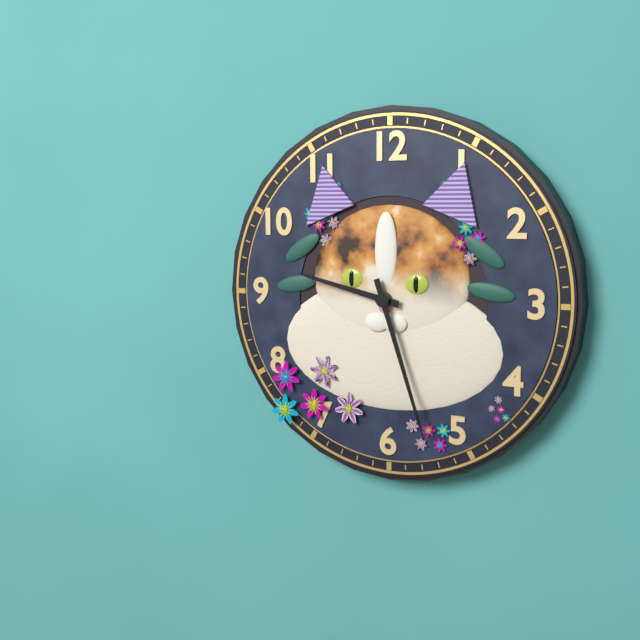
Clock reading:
9.27
